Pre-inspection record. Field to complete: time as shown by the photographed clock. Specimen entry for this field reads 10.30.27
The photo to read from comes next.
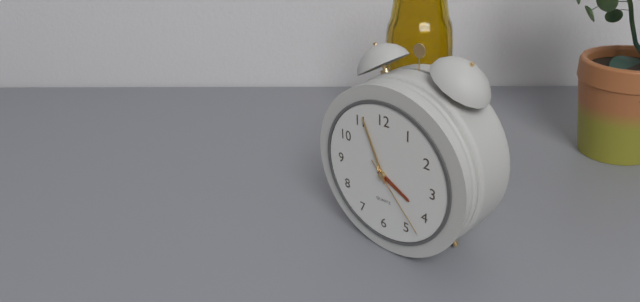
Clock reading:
3.56.23
